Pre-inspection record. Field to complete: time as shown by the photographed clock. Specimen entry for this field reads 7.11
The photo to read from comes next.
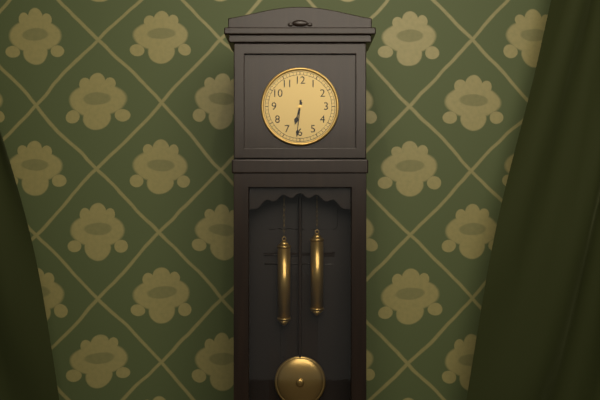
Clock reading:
6.31
